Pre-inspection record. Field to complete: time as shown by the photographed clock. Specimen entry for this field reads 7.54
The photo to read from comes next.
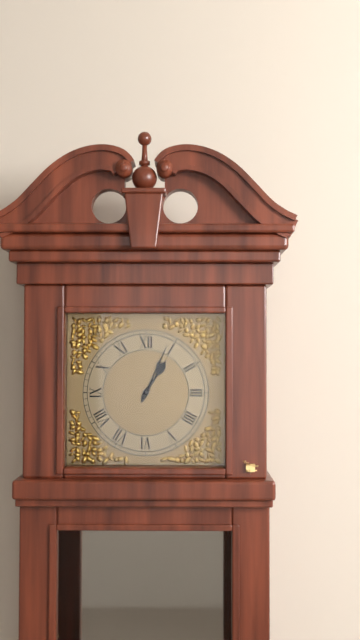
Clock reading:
1.04
